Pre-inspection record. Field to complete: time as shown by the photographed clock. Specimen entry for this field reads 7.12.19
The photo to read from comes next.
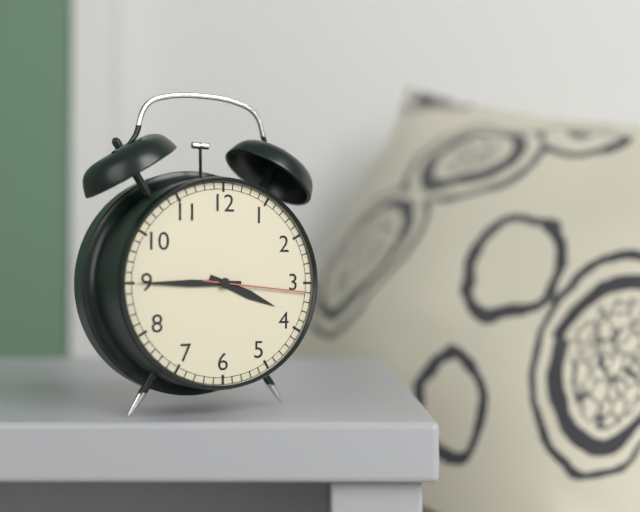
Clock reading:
3.45.16
